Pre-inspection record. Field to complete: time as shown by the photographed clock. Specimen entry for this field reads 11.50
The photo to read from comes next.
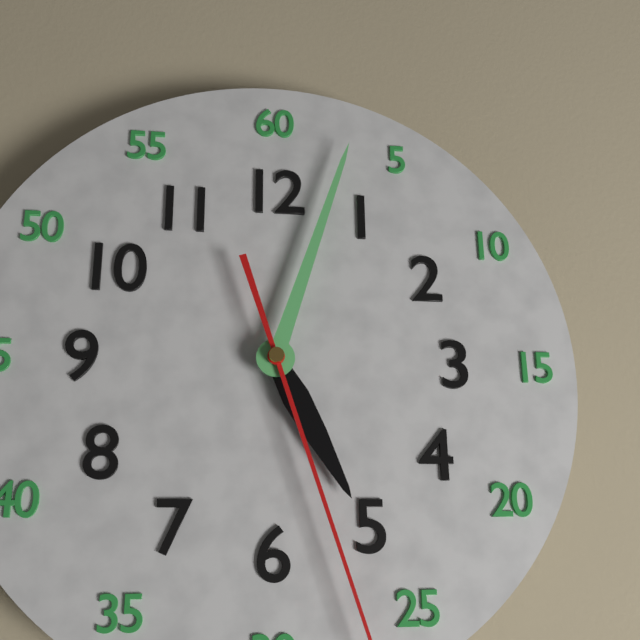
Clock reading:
5.03
